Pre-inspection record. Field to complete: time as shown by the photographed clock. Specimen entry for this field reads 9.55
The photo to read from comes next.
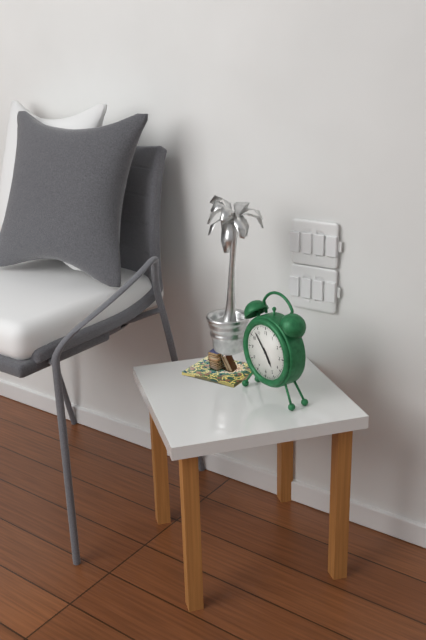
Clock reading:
4.53
